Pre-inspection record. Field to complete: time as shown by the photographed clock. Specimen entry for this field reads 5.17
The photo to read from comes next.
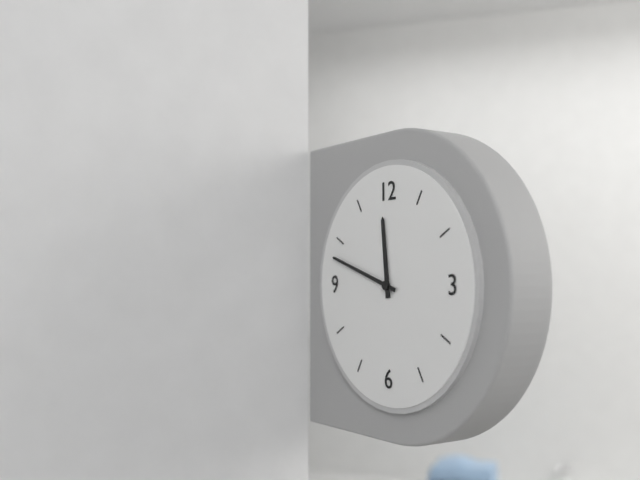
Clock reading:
11.48
